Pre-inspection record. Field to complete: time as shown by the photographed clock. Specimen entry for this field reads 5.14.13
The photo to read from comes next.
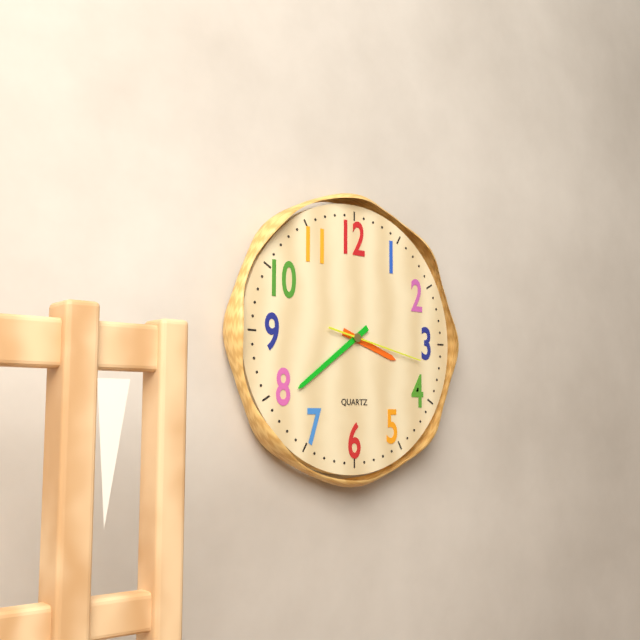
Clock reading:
3.39.17
